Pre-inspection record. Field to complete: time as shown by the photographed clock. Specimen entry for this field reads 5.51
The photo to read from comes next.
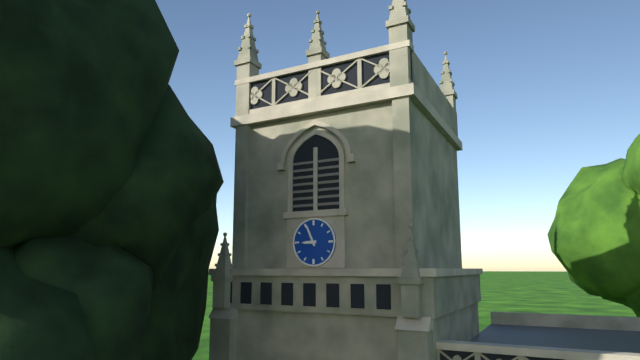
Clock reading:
8.56
